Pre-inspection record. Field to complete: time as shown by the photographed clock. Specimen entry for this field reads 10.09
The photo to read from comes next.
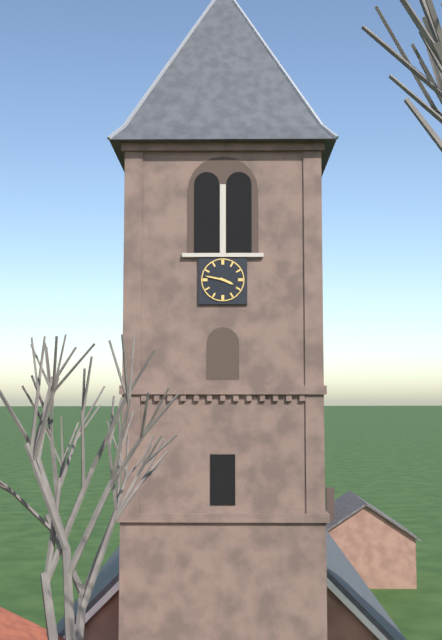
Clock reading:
3.47
